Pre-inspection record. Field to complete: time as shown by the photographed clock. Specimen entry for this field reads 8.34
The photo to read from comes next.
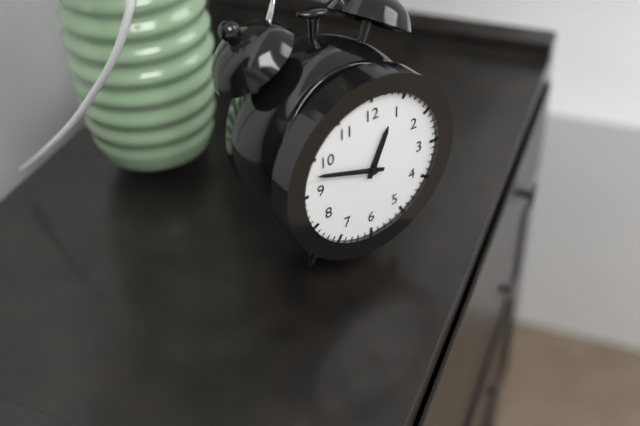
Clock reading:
12.48
